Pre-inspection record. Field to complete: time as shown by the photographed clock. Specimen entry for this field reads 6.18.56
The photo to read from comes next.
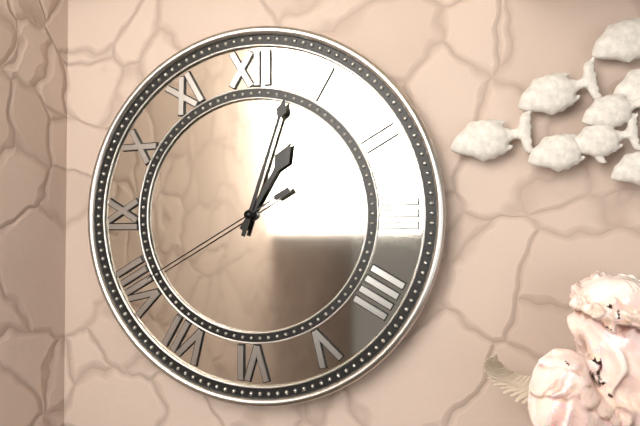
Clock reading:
1.03.40
